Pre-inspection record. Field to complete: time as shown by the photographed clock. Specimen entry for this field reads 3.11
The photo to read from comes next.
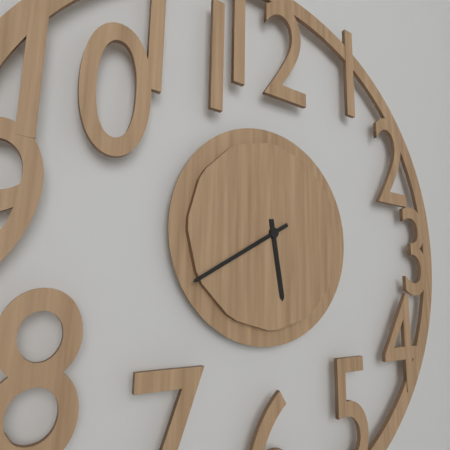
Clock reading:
5.40
